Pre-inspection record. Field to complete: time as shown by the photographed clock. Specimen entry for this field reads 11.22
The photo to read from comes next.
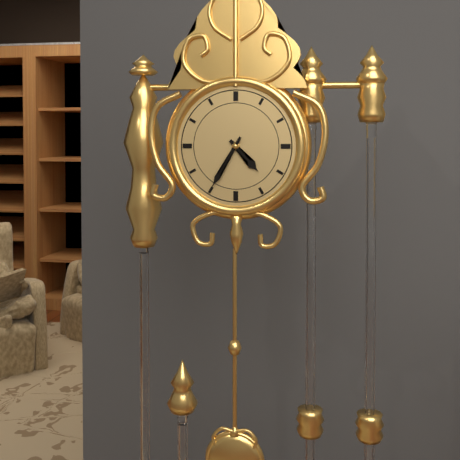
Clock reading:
4.35
